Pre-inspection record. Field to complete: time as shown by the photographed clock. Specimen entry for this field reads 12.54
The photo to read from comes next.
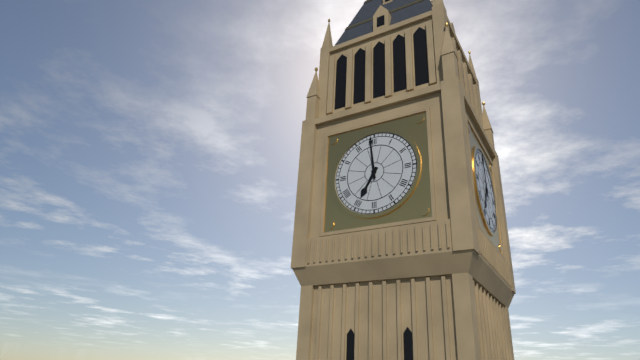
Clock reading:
6.59
